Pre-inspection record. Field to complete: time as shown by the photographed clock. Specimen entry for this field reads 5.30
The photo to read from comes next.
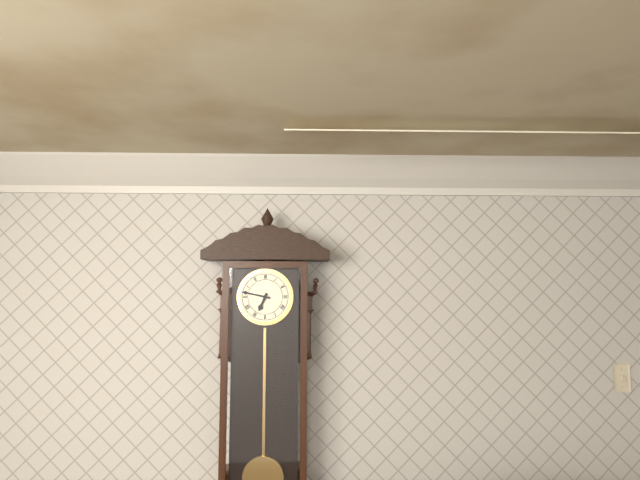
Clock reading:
6.47
